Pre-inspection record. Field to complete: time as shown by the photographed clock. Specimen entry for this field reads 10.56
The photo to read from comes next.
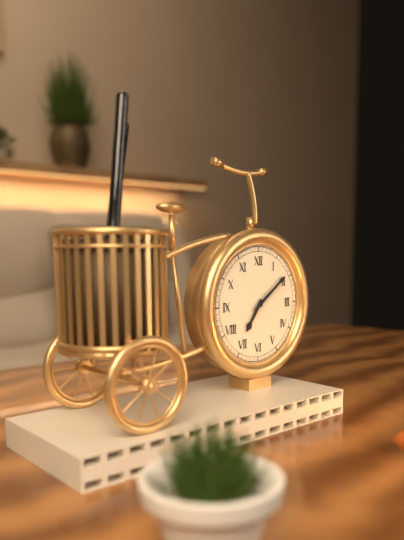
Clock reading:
7.09
